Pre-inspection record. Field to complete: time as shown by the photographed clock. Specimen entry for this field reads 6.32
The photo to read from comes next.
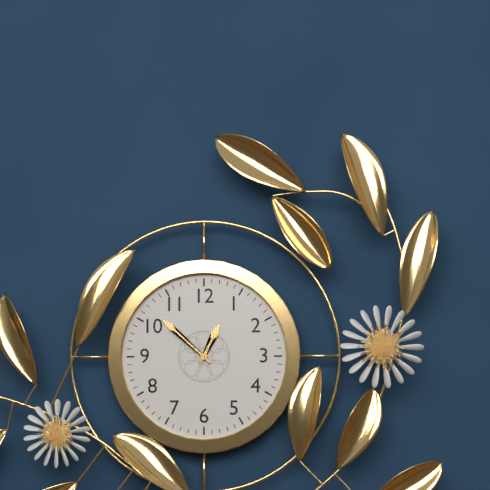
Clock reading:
12.52
